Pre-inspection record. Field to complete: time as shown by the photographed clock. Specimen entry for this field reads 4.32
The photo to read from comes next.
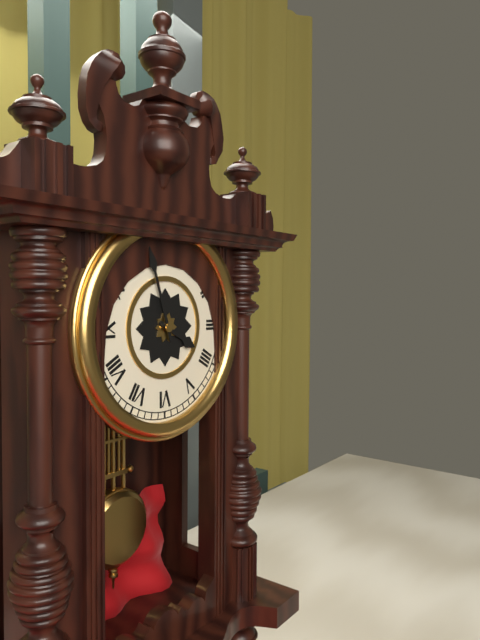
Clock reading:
3.57
